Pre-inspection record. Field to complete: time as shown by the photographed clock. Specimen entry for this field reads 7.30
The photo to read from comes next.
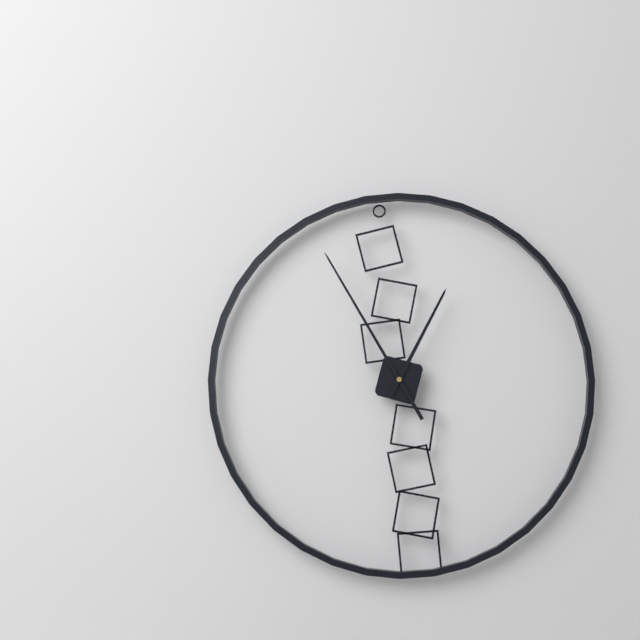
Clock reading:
12.55
